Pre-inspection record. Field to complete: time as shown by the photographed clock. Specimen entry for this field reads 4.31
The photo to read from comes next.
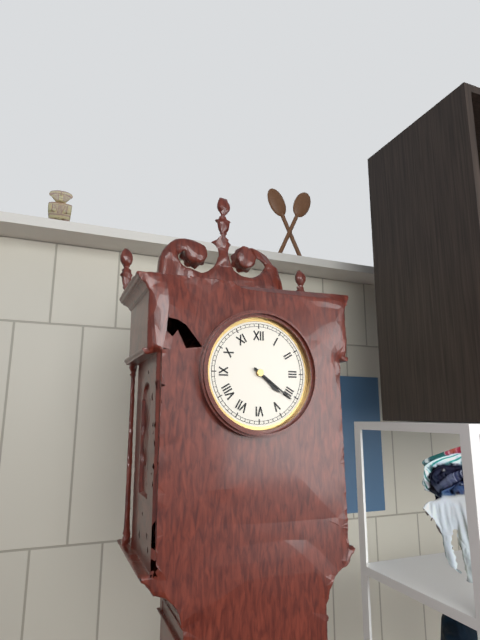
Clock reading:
4.21
